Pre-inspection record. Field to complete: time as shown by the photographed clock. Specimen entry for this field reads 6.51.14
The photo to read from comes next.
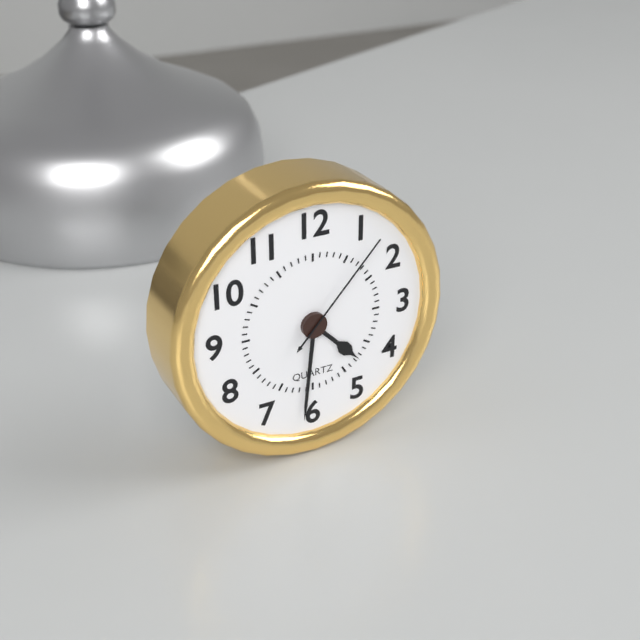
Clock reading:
4.31.07
